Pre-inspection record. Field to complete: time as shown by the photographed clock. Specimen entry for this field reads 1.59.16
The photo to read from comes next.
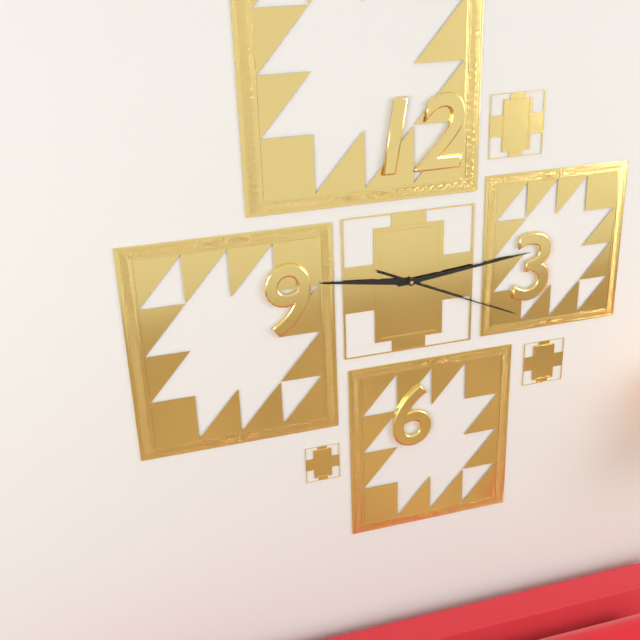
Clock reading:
9.14.19
